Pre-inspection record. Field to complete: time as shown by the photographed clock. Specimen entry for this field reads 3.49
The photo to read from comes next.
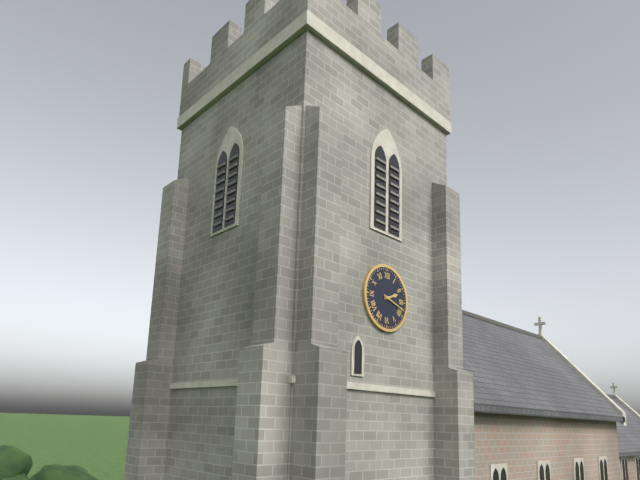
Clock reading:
2.18
